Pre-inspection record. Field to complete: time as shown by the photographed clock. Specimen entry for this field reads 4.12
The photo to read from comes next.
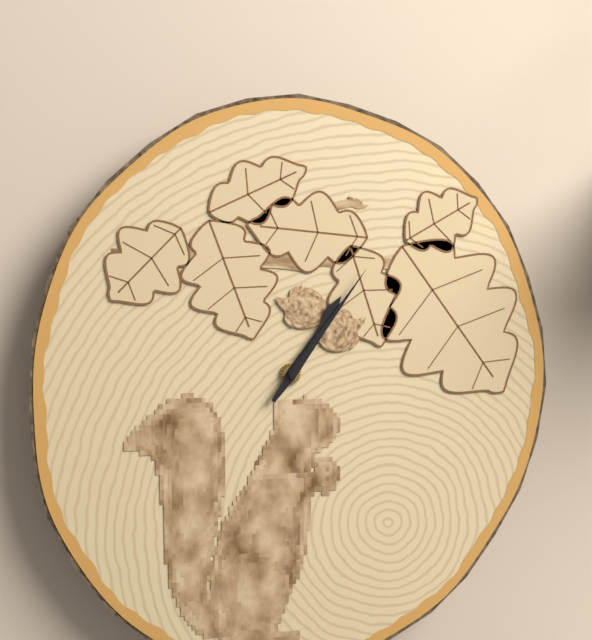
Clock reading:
1.06
